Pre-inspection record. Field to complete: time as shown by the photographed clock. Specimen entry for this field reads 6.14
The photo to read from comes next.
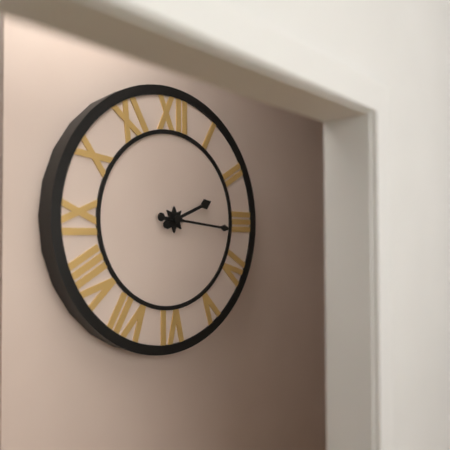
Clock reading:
2.16
